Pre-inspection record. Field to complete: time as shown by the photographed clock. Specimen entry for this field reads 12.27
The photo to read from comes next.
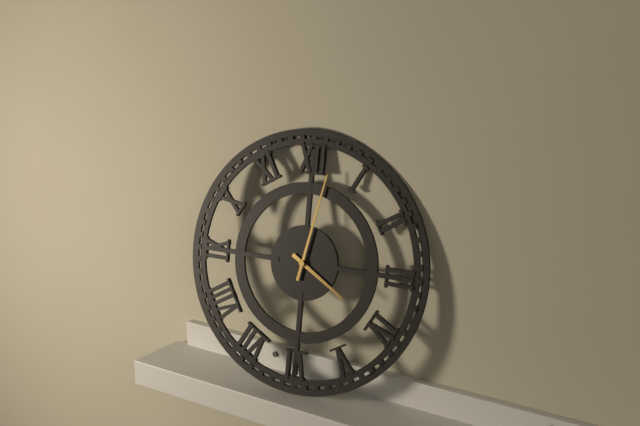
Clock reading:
4.02
